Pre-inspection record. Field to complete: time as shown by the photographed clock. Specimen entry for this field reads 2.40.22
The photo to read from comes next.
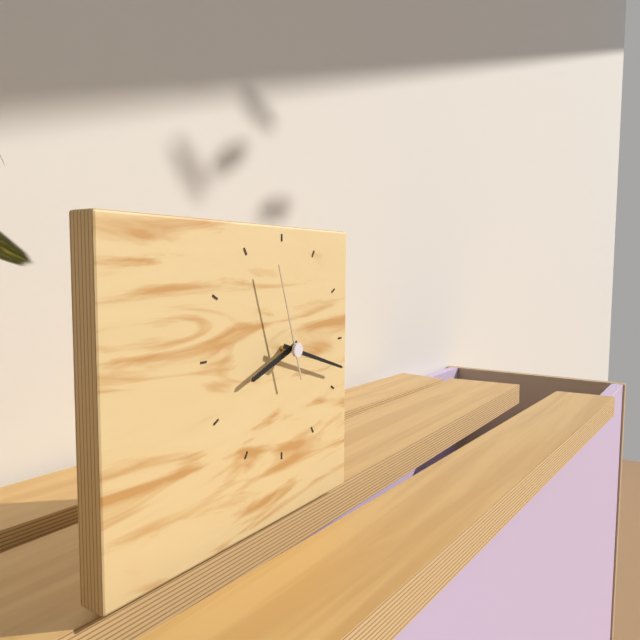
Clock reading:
8.18.57
